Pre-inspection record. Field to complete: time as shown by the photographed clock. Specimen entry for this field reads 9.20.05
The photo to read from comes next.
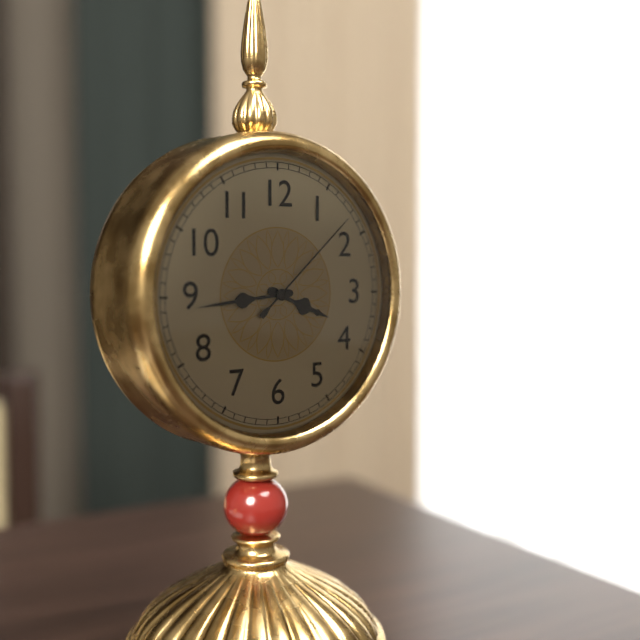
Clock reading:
3.44.08
